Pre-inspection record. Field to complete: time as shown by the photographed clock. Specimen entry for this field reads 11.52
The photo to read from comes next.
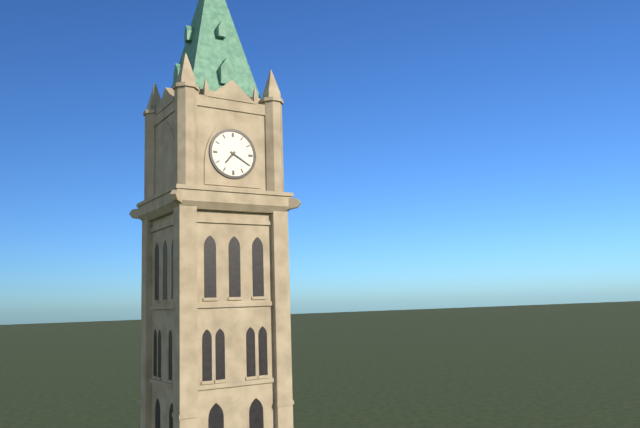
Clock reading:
7.20
